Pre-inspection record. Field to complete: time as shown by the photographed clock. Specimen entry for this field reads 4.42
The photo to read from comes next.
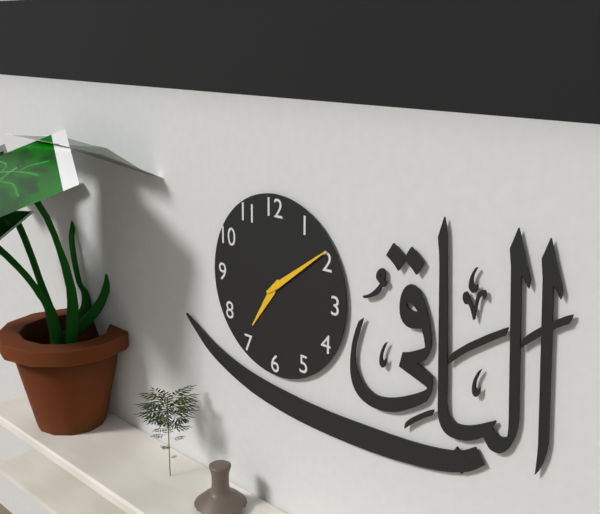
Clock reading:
7.09
